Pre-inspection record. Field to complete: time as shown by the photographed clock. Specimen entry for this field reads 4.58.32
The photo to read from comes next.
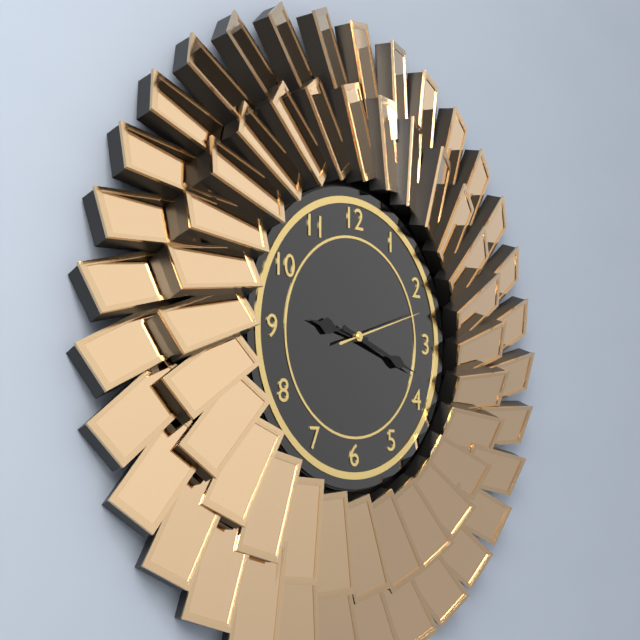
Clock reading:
9.18.12
